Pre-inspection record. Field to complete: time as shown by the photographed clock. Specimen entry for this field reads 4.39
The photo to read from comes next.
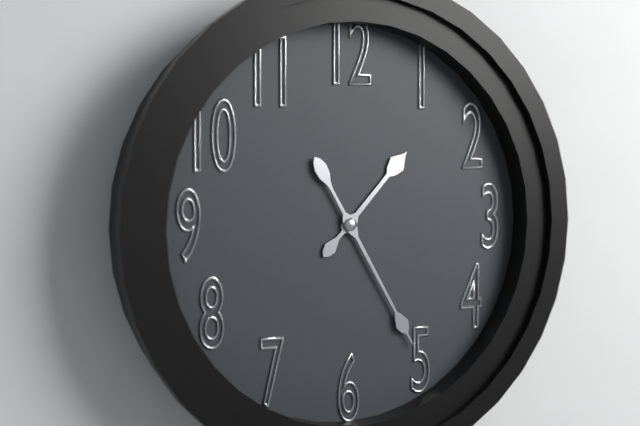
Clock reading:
1.25
